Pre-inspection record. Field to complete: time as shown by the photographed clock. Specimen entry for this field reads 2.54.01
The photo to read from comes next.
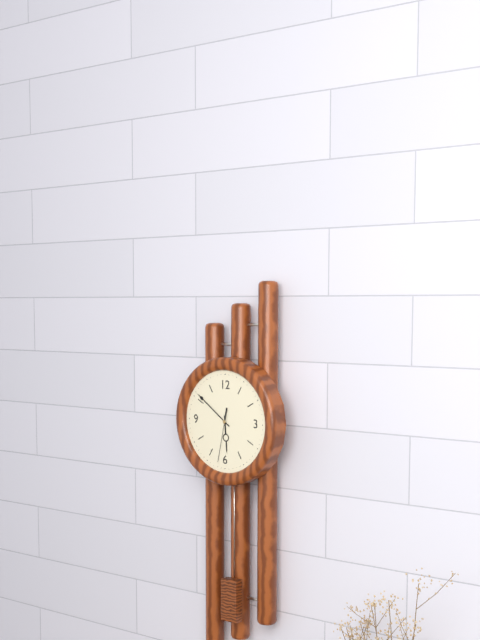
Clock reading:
5.51.32
